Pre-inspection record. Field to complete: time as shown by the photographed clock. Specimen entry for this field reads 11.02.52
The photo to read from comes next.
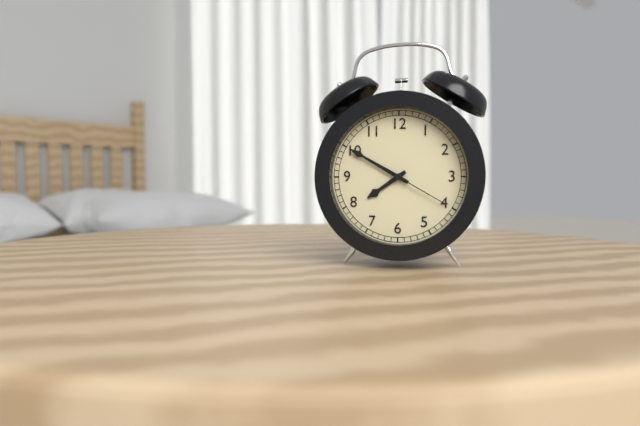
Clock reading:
7.50.20
